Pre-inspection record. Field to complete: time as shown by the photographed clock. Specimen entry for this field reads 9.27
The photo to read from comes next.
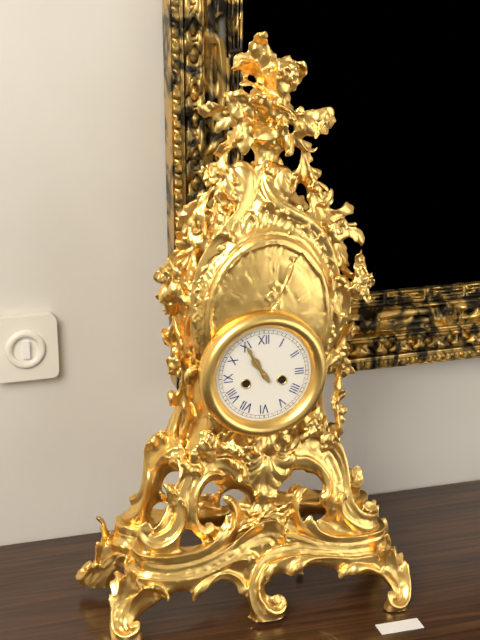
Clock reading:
10.55
